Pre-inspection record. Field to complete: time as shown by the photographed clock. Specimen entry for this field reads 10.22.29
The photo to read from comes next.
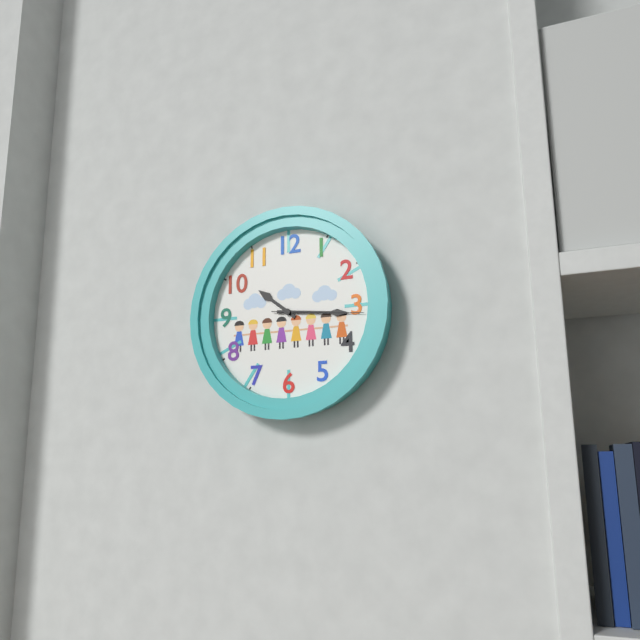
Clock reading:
10.16.16
